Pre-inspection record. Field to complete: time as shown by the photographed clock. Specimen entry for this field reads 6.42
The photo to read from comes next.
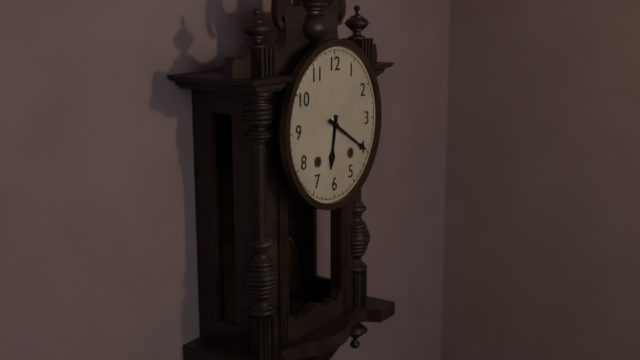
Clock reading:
6.20
